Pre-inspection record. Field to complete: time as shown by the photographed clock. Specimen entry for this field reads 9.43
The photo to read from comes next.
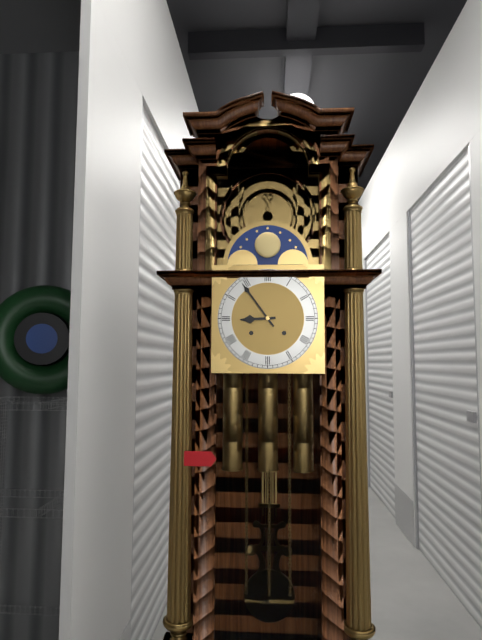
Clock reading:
8.54
